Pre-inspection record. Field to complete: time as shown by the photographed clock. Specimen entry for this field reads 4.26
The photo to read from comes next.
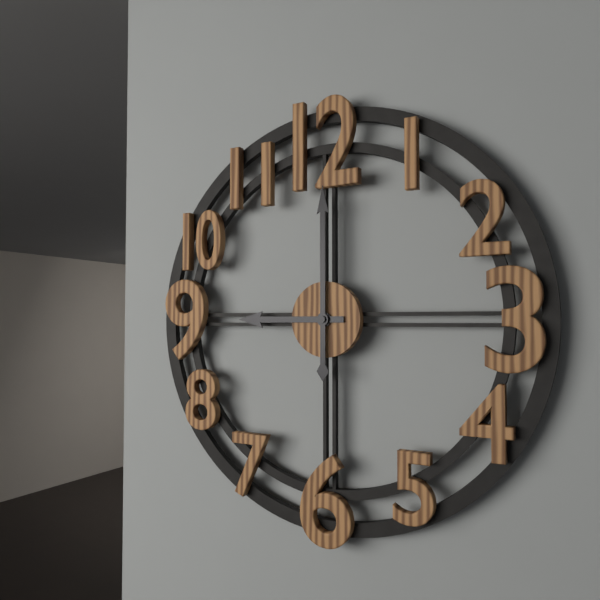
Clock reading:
9.00
